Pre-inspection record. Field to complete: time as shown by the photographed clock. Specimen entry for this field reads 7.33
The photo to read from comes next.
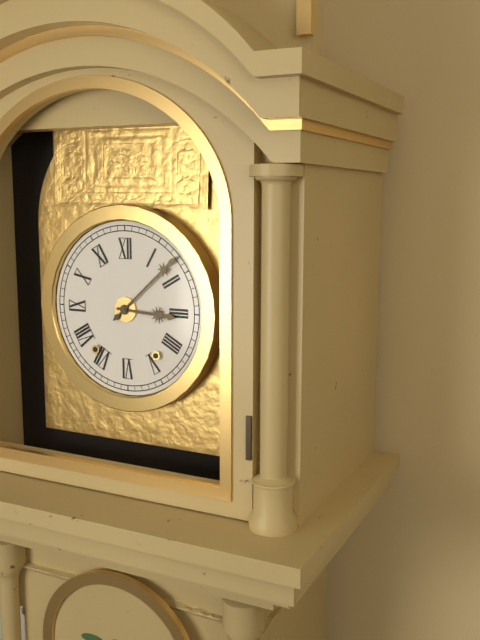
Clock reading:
3.08
